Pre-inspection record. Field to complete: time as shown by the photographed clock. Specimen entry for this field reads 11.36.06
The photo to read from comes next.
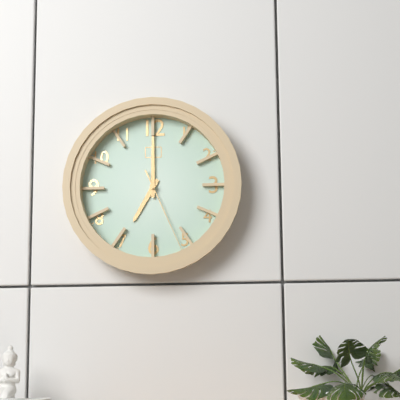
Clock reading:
7.00.26
